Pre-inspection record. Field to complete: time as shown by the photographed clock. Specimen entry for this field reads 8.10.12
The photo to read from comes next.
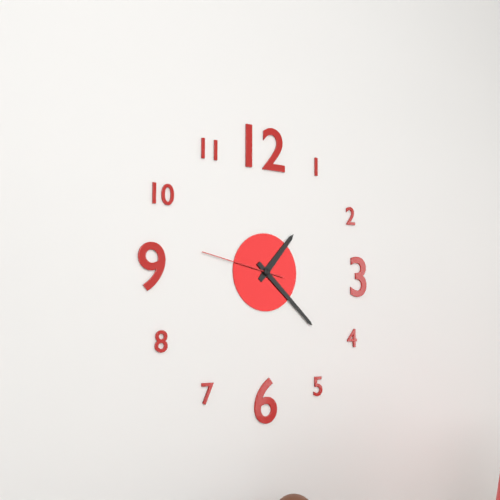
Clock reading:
1.22.47
